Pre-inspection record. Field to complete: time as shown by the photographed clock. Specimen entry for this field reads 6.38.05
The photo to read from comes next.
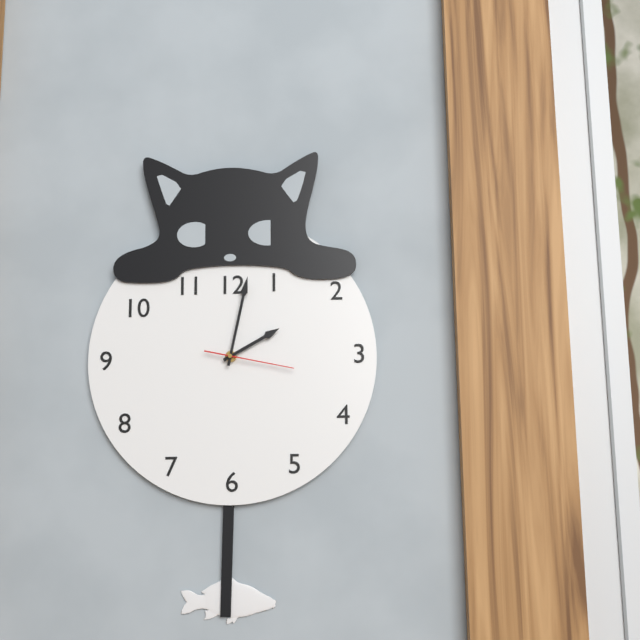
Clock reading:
2.02.17
